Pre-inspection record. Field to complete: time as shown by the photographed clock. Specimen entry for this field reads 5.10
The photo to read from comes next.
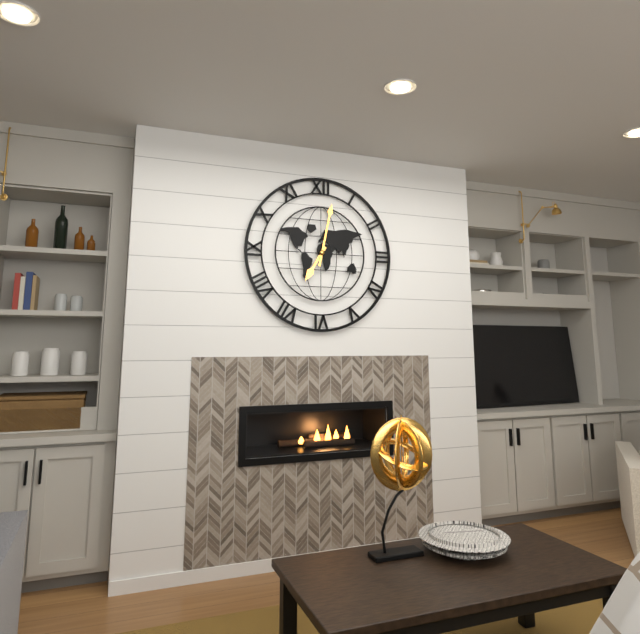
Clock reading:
7.02
